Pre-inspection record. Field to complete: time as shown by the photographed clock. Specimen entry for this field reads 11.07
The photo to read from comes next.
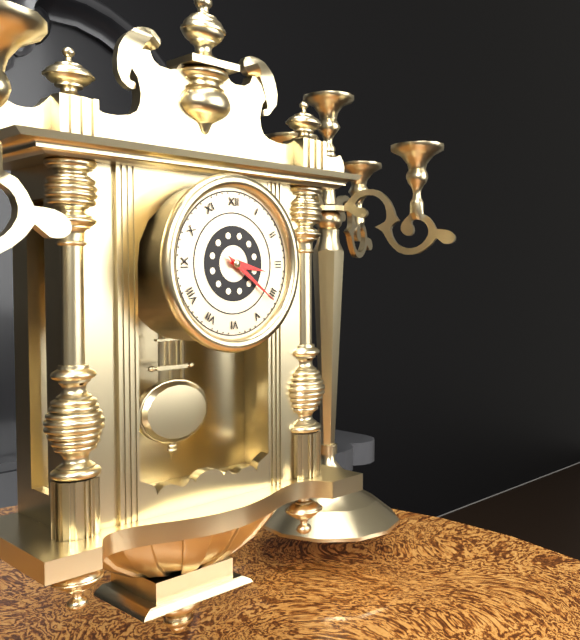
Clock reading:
3.21
